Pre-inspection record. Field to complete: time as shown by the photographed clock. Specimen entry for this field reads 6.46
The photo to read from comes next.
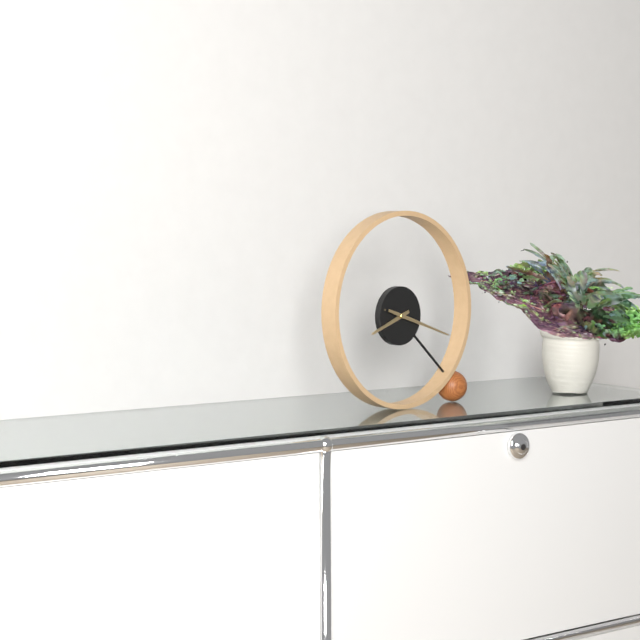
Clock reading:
8.18
